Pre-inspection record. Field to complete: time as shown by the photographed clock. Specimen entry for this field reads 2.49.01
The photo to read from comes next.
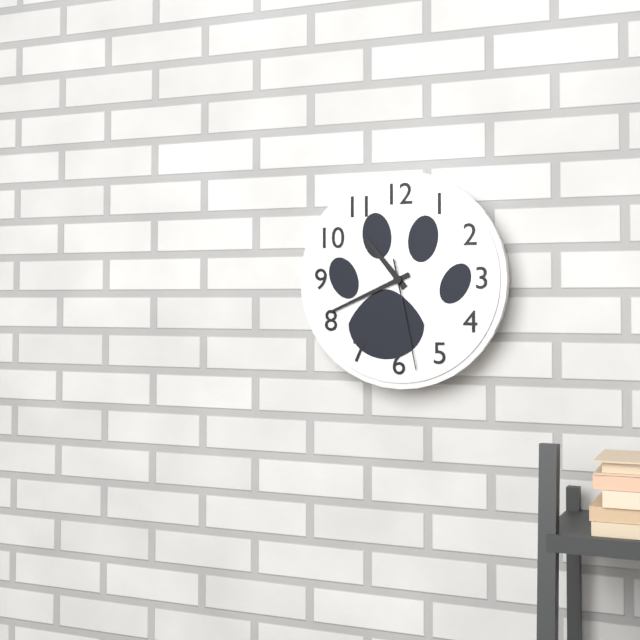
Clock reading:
10.41.28
